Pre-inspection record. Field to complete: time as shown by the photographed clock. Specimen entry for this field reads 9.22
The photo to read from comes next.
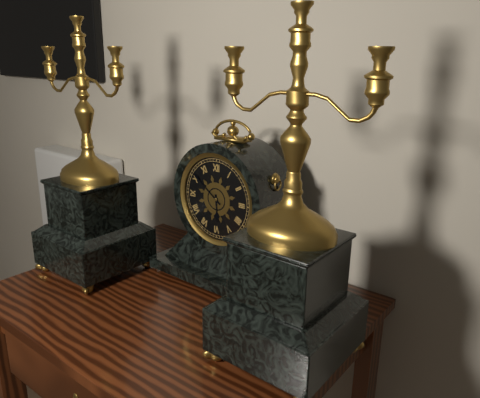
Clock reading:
5.51
